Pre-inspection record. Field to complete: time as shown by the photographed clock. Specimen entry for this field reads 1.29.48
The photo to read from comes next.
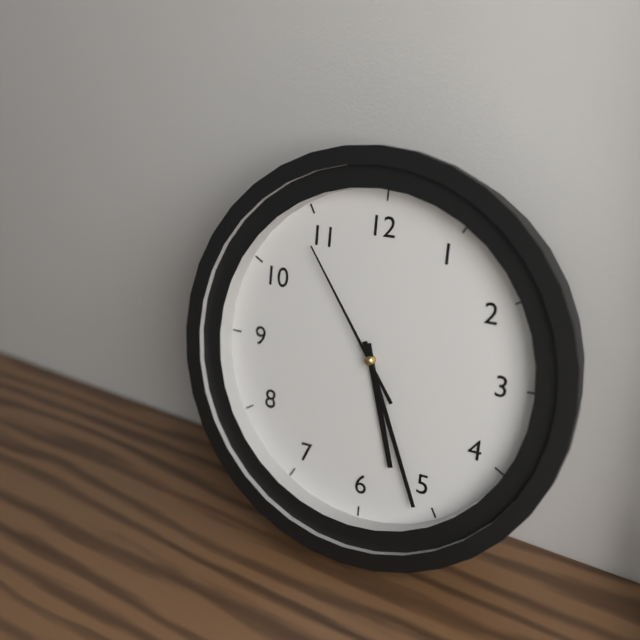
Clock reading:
5.26.54
